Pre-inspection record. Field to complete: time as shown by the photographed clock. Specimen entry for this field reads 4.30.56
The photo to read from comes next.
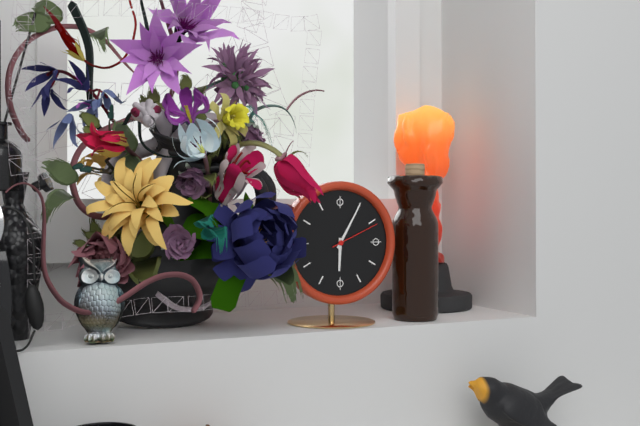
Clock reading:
6.05.11
